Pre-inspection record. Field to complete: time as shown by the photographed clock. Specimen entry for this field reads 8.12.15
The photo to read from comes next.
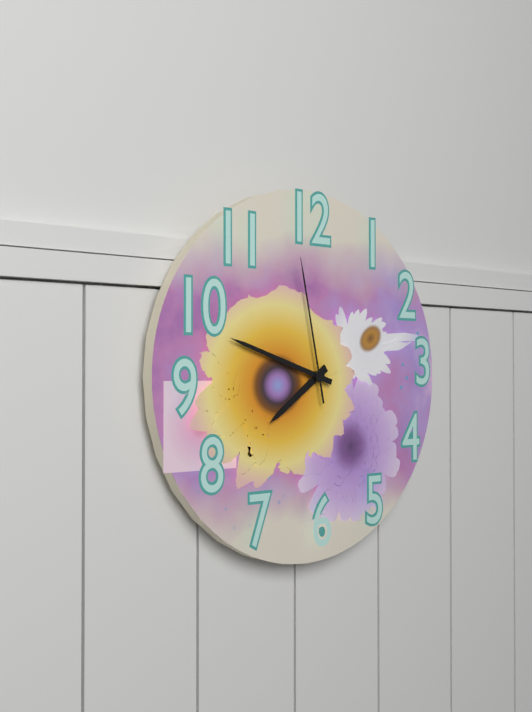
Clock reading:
7.48.58
